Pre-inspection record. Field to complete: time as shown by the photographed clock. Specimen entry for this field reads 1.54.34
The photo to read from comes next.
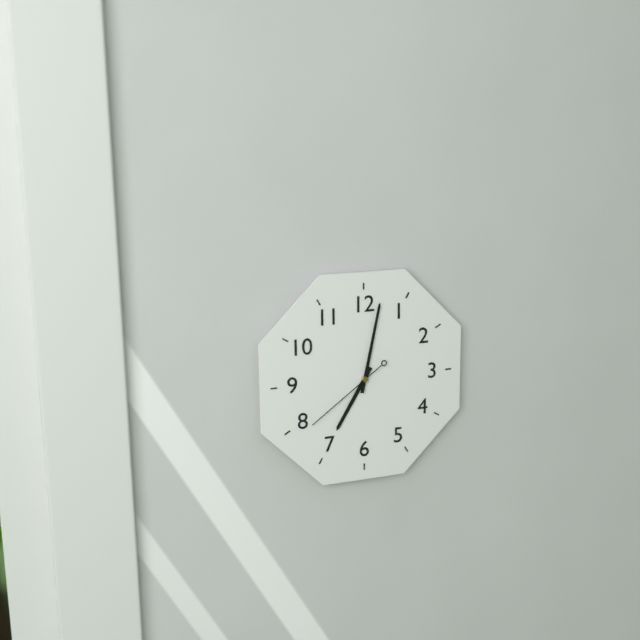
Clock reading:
7.02.39
